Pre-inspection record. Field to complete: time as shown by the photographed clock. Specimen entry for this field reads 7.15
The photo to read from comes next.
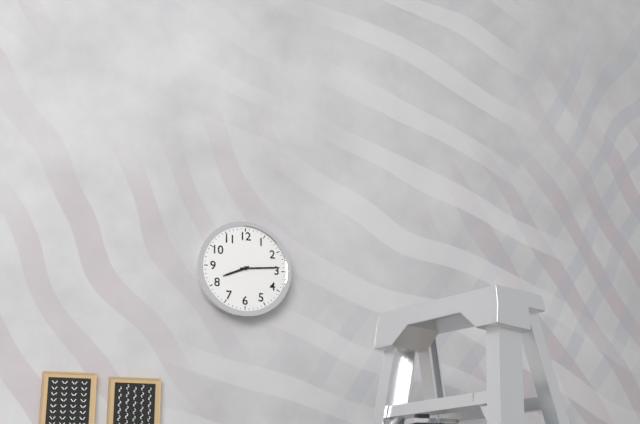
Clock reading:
8.14
